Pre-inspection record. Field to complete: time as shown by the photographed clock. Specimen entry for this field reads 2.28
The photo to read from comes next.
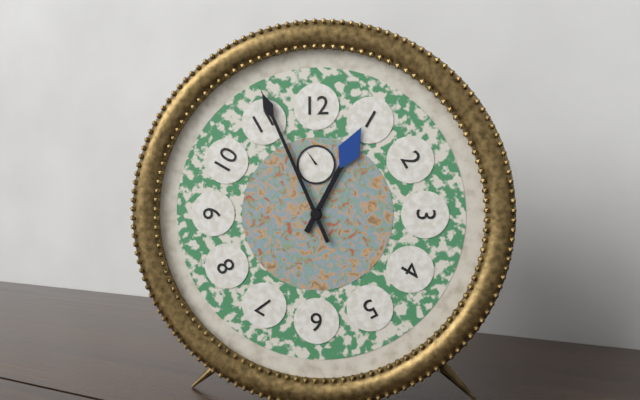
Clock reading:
12.56
